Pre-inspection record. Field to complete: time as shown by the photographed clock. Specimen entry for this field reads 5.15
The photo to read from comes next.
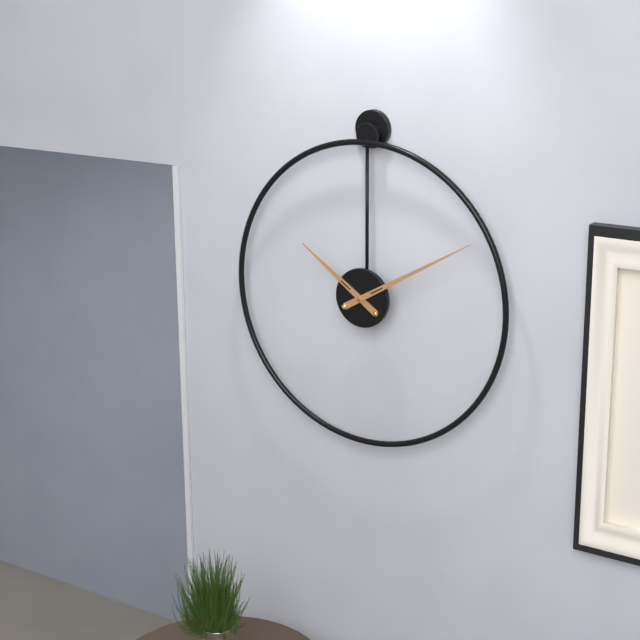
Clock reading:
10.10
